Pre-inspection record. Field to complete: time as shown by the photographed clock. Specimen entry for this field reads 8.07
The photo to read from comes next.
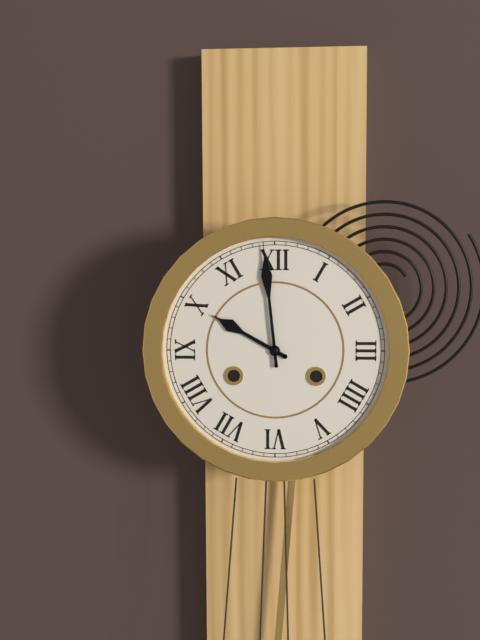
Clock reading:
9.59
